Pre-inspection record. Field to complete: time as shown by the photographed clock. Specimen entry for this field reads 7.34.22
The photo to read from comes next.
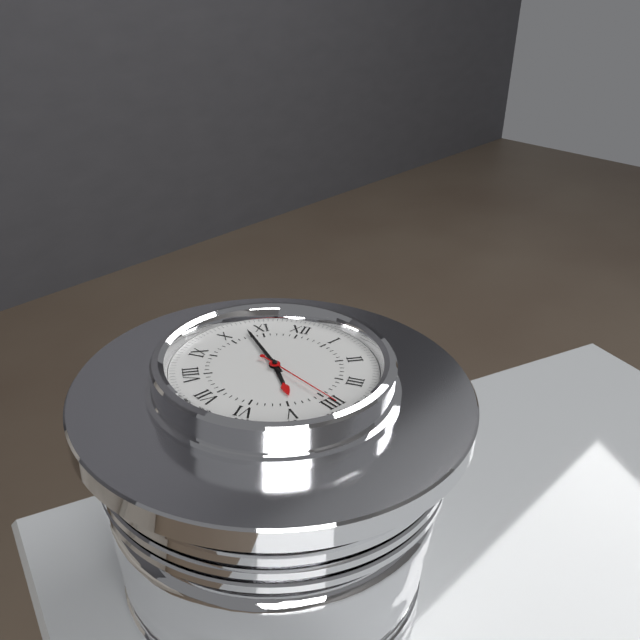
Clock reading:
4.53.20
